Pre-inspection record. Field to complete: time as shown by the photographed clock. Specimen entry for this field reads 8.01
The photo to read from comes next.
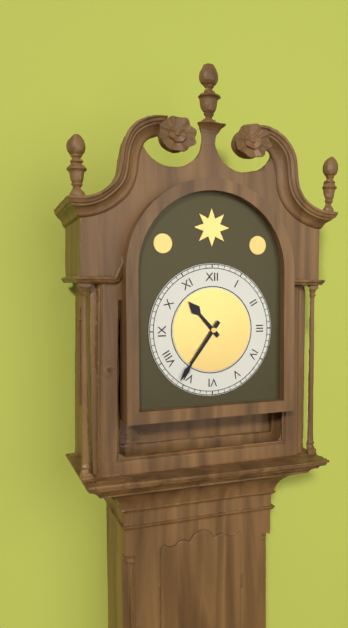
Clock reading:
10.36
